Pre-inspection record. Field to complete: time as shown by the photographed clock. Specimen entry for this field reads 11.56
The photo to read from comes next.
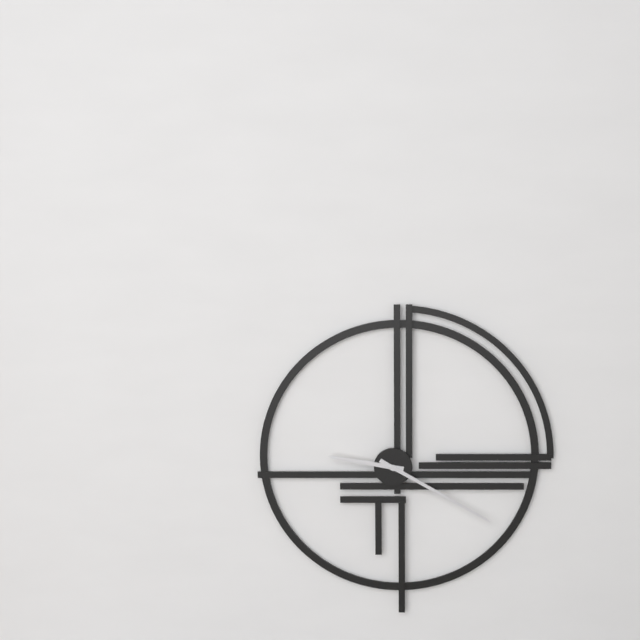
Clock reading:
9.20
